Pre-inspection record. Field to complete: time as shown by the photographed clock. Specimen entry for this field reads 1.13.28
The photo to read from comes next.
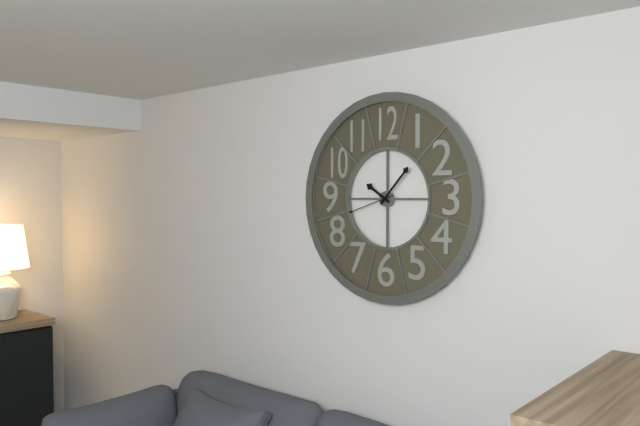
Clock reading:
10.07.42
